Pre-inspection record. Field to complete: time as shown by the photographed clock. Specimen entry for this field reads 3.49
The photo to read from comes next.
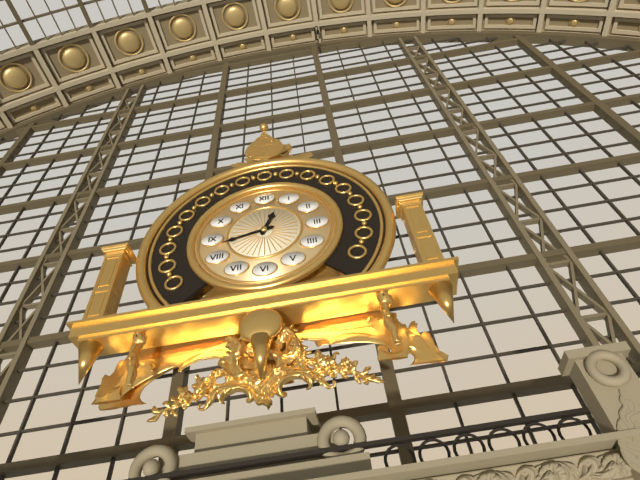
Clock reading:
12.43
